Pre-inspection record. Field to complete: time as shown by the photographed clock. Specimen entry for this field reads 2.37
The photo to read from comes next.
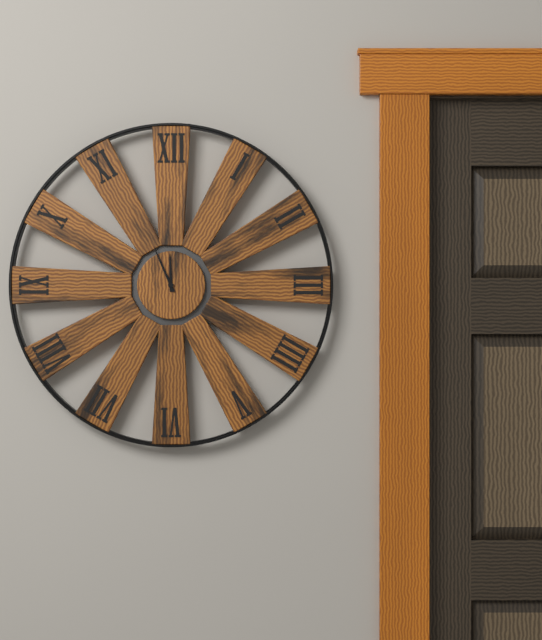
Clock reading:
11.56
